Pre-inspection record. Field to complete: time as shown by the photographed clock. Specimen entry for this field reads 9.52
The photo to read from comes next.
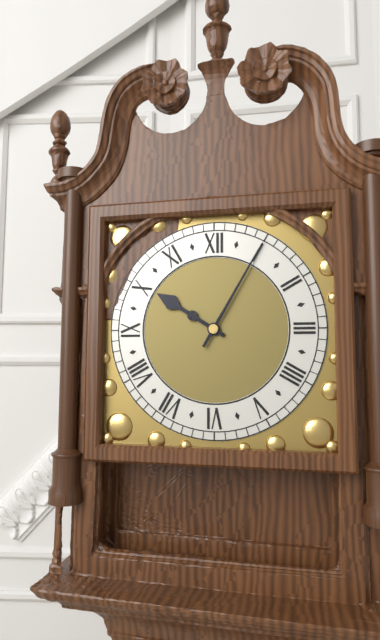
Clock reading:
10.05
